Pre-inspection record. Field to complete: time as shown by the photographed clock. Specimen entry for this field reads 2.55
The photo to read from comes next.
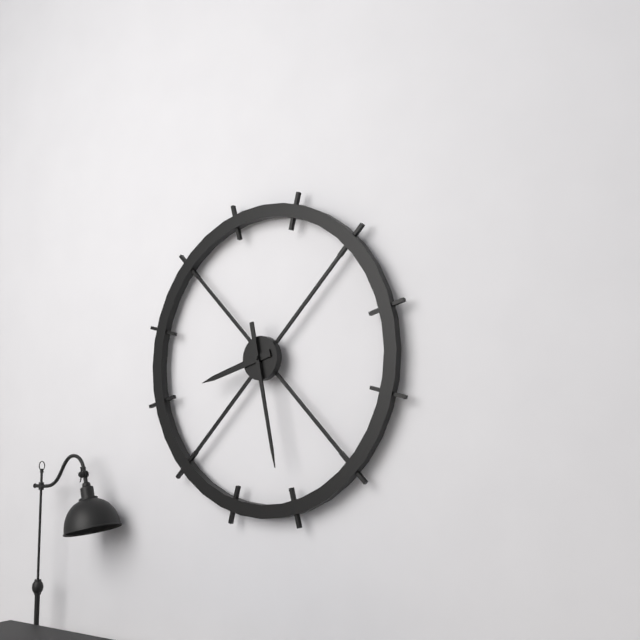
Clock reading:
8.28
